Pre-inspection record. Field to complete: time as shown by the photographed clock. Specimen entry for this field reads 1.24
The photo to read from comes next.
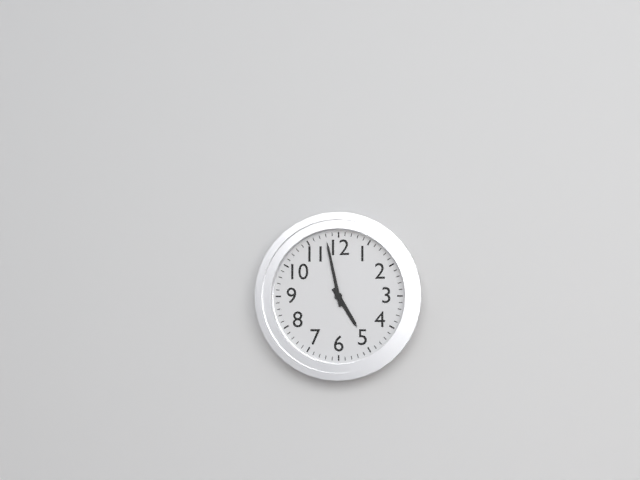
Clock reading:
4.58
